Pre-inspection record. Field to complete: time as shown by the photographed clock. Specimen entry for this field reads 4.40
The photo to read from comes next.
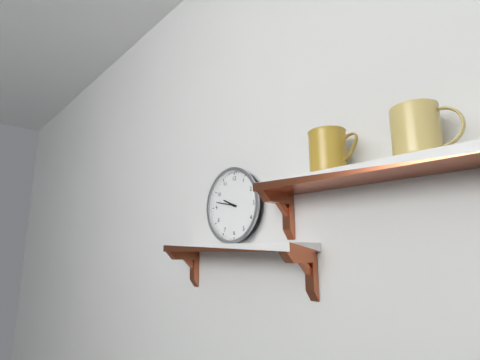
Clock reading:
9.47
